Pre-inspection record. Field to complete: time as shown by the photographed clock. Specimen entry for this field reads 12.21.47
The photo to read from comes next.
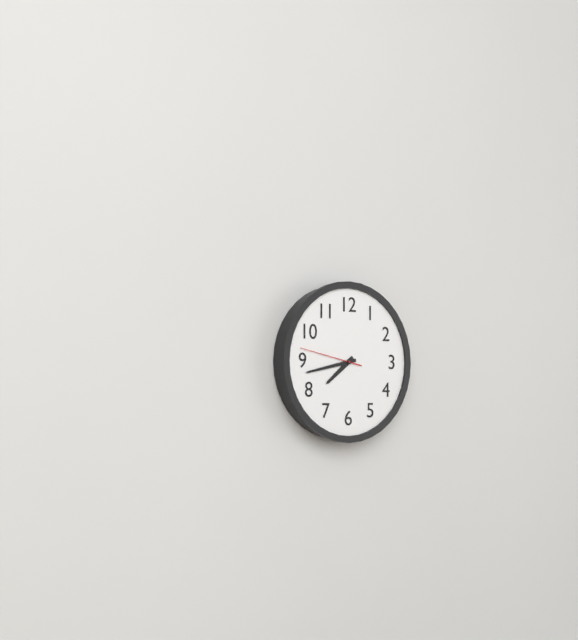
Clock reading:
7.43.47
